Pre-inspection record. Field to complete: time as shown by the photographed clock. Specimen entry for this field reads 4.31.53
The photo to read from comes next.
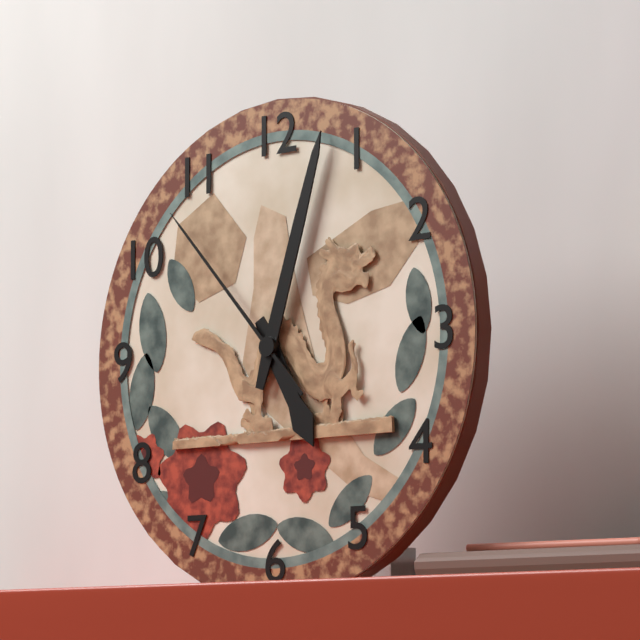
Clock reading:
5.03.53
